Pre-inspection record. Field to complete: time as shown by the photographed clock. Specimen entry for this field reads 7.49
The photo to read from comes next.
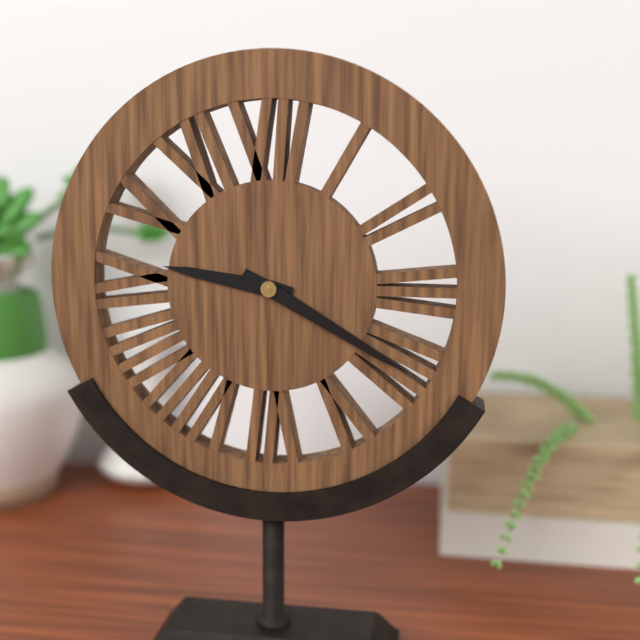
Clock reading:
9.20
